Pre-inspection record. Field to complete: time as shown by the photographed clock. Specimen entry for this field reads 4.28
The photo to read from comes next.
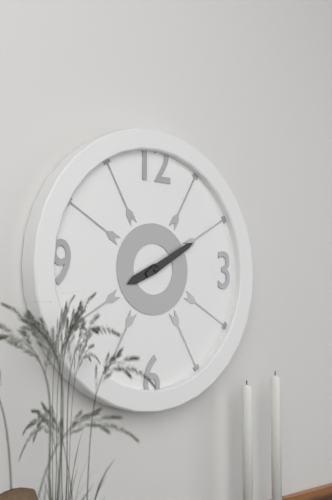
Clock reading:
8.10
